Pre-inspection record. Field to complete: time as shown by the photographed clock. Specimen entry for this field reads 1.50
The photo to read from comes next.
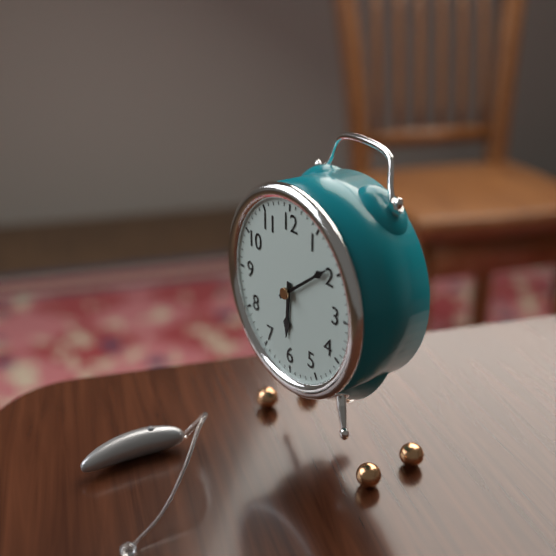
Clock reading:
6.09
